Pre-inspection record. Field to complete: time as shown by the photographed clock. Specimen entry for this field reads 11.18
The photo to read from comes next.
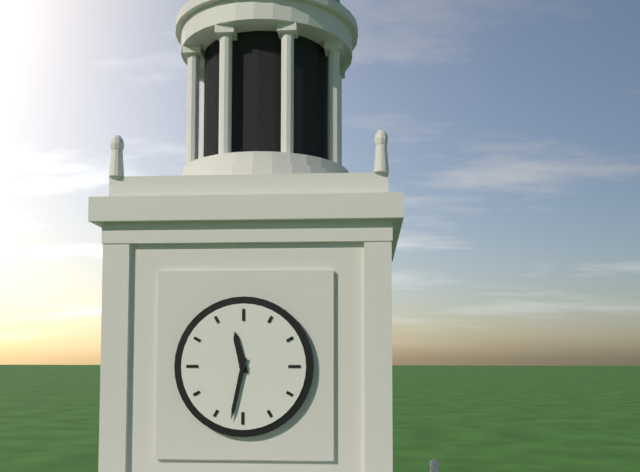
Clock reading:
11.32
